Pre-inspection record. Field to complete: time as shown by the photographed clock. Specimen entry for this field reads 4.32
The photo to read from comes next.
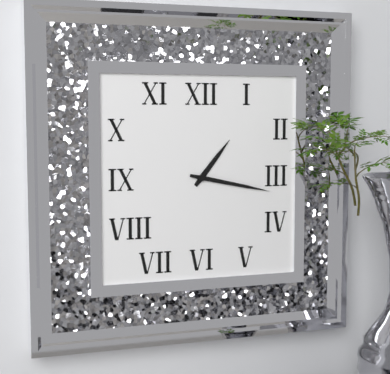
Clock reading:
1.17
